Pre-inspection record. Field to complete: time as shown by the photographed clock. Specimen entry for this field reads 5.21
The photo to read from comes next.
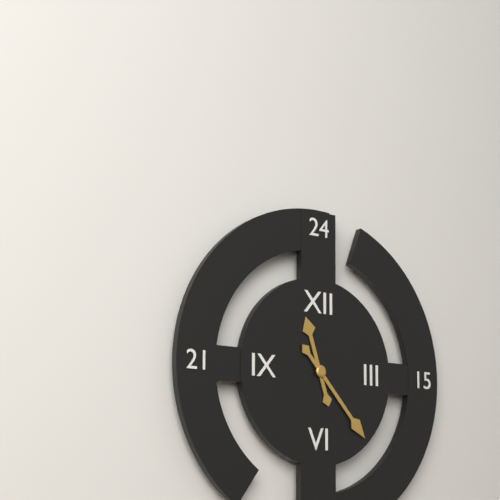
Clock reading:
11.23
